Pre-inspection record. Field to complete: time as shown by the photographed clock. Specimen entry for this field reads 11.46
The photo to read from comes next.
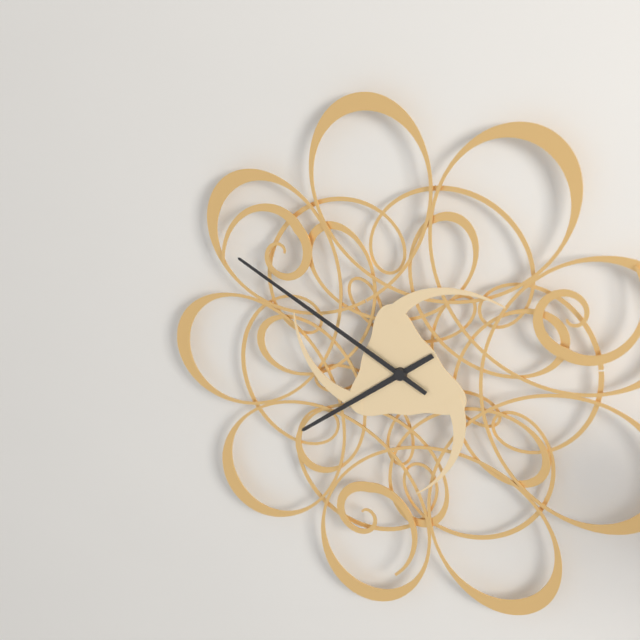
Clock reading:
7.50
